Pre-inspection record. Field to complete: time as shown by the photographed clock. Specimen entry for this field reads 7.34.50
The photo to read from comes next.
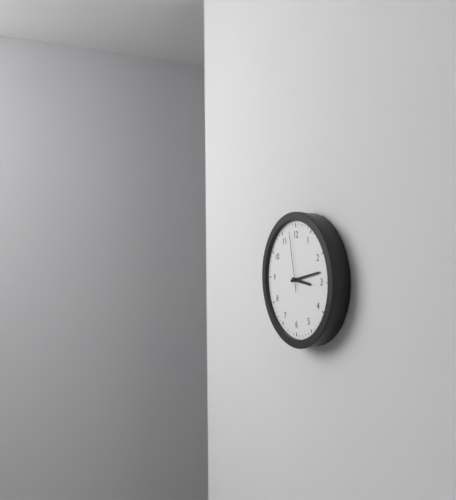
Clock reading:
3.13.58
